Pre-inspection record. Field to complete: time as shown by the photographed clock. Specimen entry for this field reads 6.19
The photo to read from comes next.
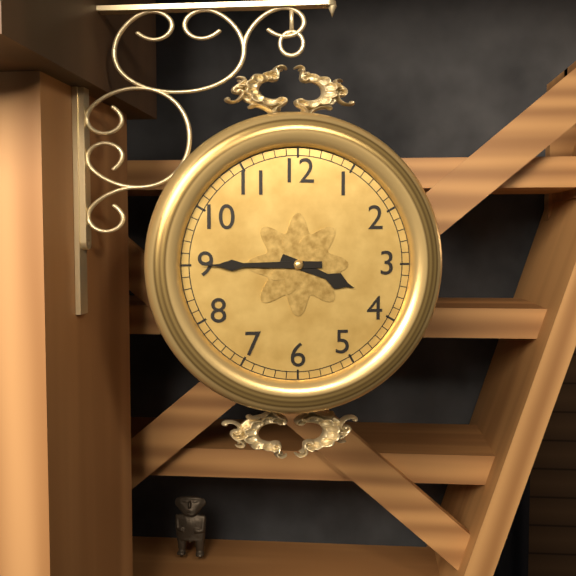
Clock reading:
3.45
